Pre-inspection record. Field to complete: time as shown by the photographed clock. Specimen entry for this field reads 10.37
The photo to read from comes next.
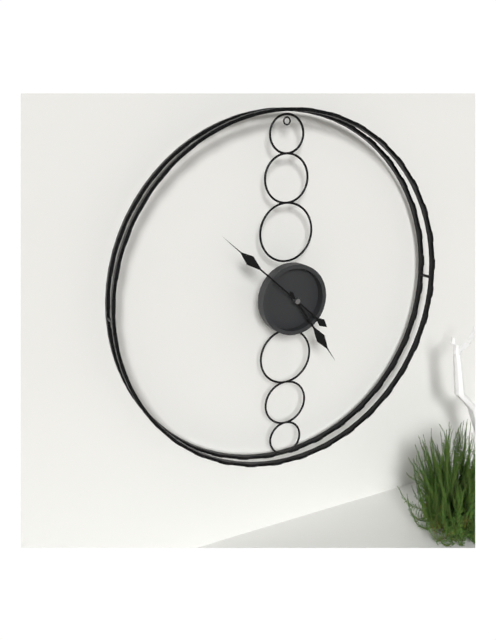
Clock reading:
4.52
